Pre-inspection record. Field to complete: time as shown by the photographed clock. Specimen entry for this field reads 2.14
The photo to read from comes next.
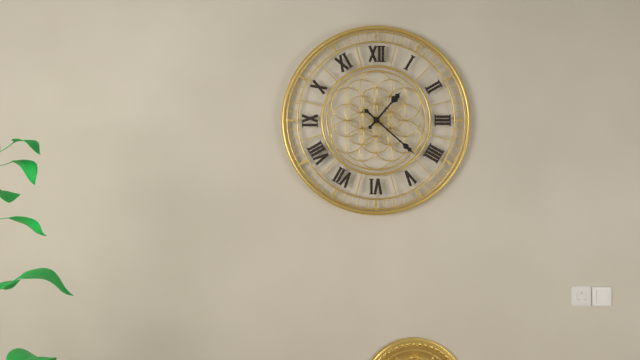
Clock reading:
1.22
